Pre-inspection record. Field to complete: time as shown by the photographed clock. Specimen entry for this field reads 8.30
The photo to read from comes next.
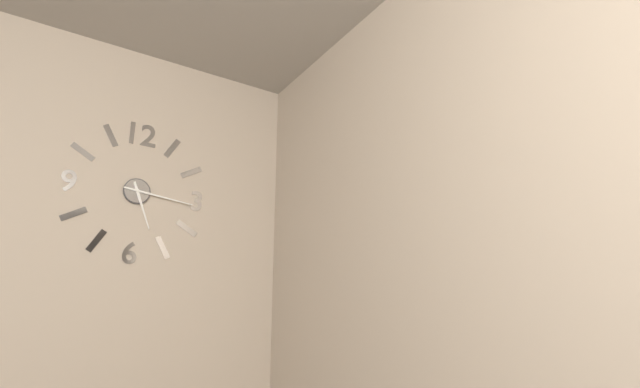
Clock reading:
5.16
